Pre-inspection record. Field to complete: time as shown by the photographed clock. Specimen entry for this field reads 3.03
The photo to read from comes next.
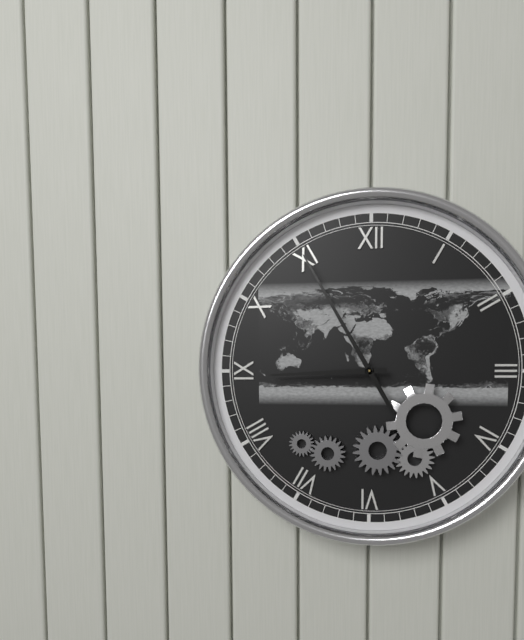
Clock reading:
8.55
